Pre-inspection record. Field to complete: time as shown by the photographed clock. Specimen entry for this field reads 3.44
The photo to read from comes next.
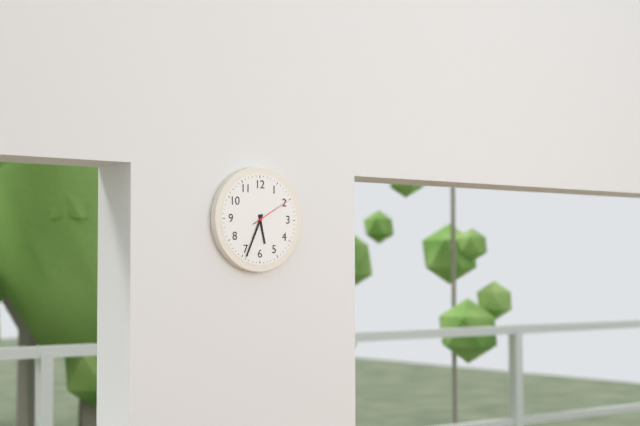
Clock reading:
5.34
